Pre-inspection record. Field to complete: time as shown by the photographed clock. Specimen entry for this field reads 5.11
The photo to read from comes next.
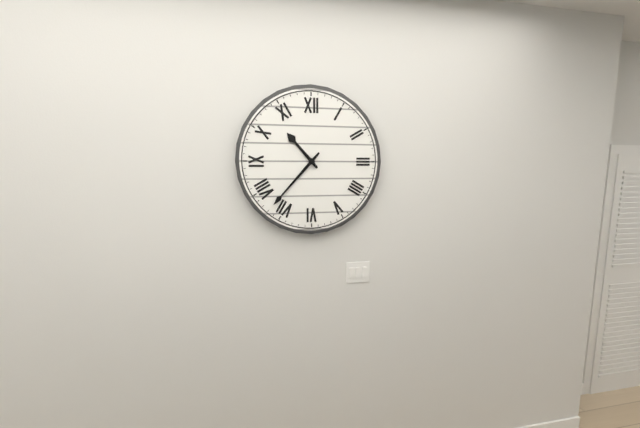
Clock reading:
10.37
